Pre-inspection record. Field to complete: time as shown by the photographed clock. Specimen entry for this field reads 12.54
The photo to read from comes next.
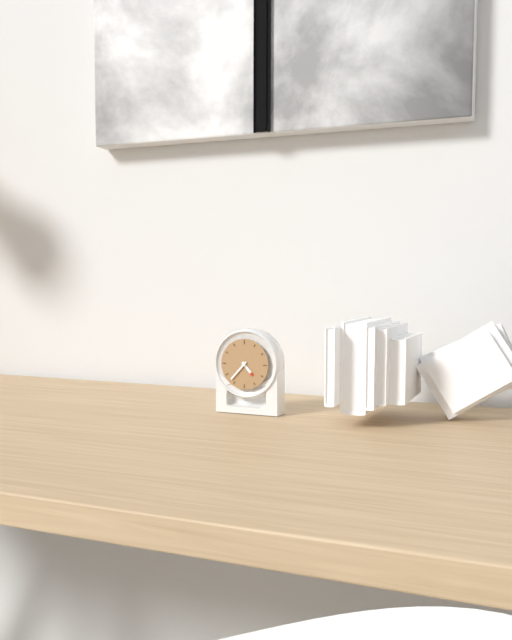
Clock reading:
4.37
